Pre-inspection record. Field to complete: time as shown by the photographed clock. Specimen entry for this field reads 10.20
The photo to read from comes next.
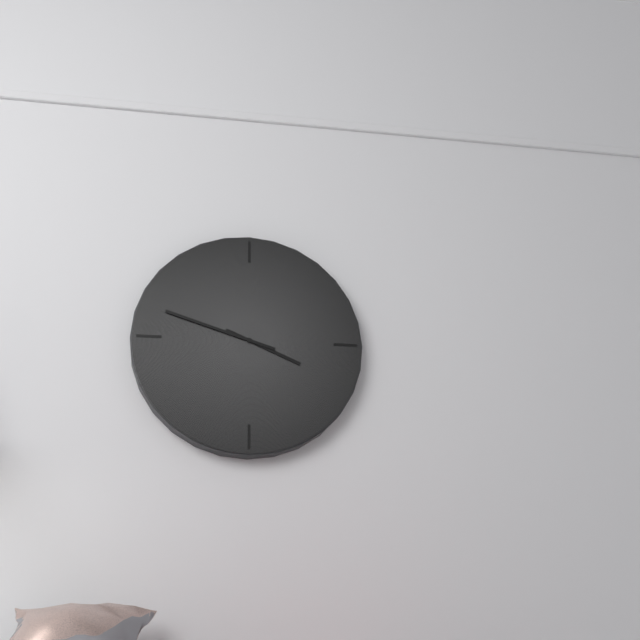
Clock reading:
3.48
